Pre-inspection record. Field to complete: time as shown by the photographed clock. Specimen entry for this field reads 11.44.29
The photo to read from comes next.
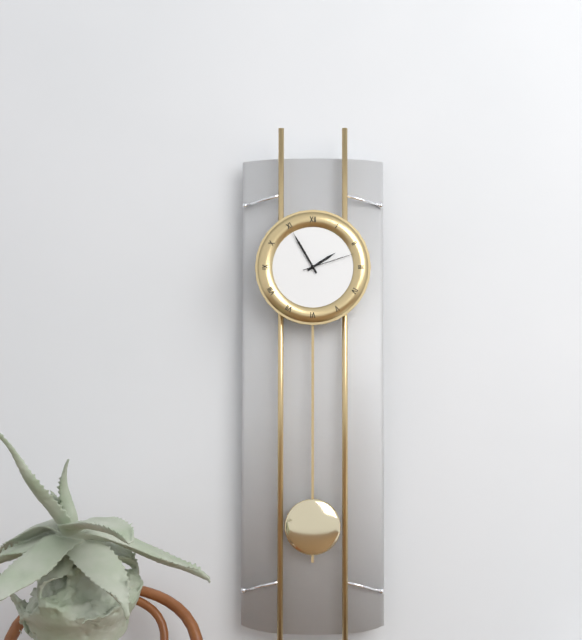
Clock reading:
1.55.12
